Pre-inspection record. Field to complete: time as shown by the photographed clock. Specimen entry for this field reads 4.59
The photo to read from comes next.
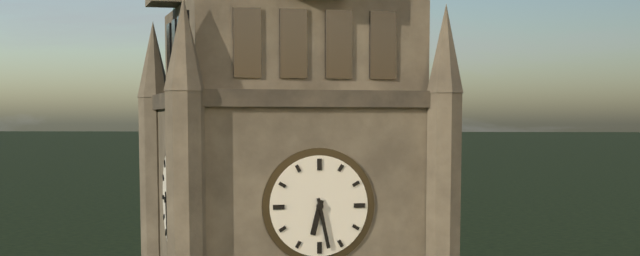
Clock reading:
6.28
